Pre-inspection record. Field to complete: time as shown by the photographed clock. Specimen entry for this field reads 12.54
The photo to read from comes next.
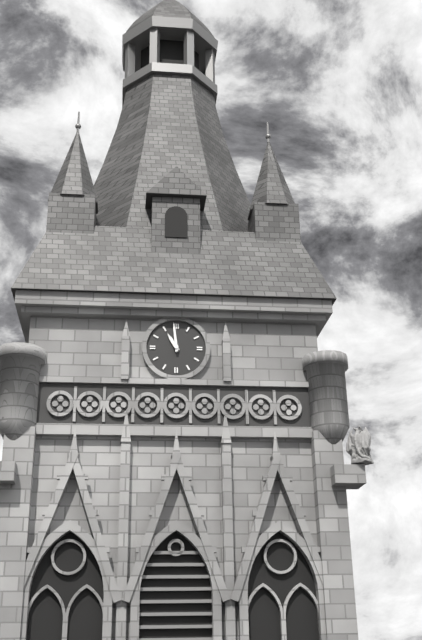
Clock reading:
10.59
